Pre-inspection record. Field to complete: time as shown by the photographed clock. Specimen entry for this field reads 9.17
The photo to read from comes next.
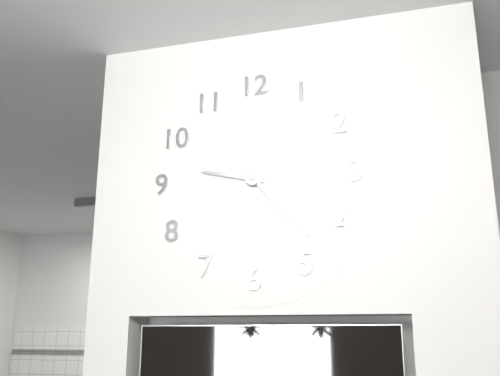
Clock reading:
9.23
